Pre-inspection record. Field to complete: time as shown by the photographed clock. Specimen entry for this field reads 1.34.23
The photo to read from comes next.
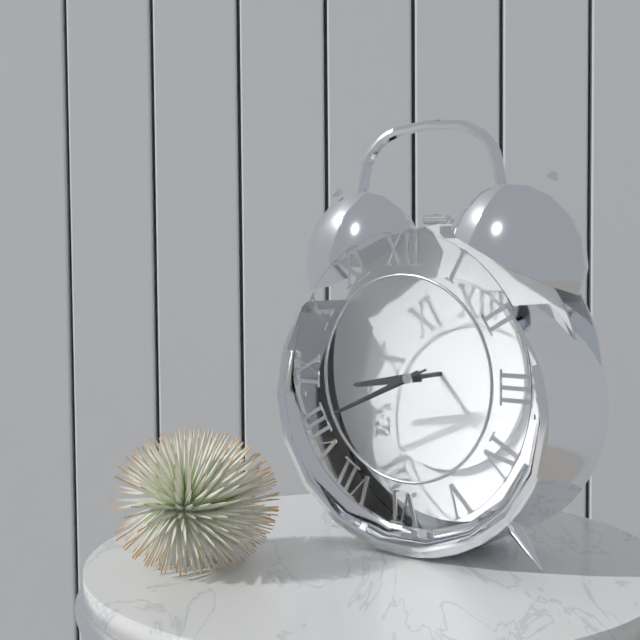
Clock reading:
8.41.41
